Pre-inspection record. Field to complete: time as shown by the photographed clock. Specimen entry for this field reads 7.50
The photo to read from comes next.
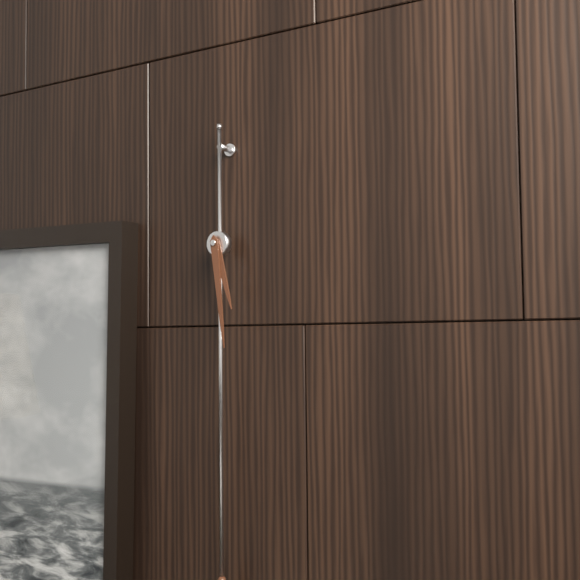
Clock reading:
5.29
